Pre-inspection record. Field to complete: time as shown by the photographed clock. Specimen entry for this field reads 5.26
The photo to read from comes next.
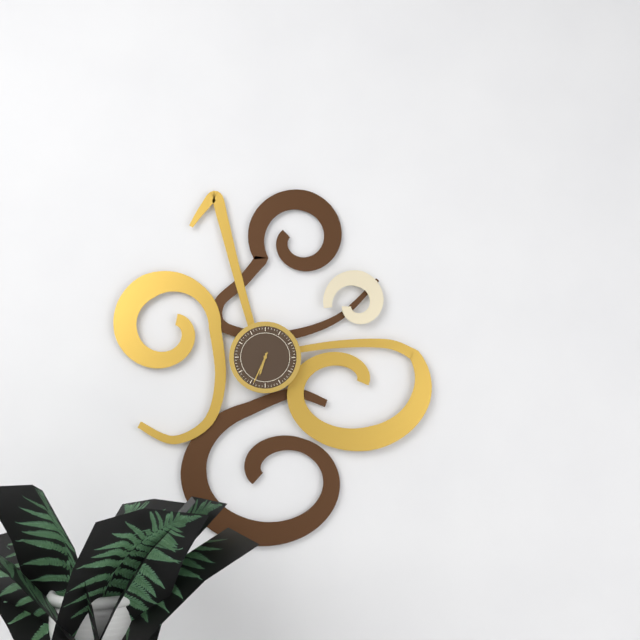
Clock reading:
6.34
